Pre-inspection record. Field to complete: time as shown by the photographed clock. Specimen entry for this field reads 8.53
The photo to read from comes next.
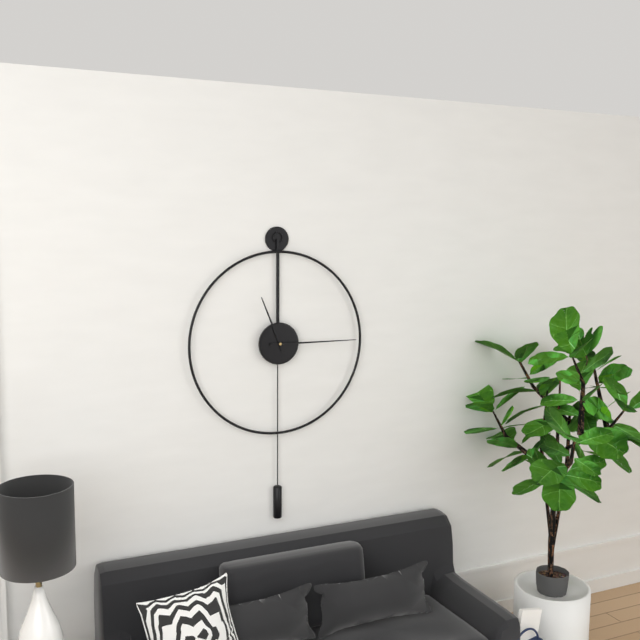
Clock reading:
11.15
